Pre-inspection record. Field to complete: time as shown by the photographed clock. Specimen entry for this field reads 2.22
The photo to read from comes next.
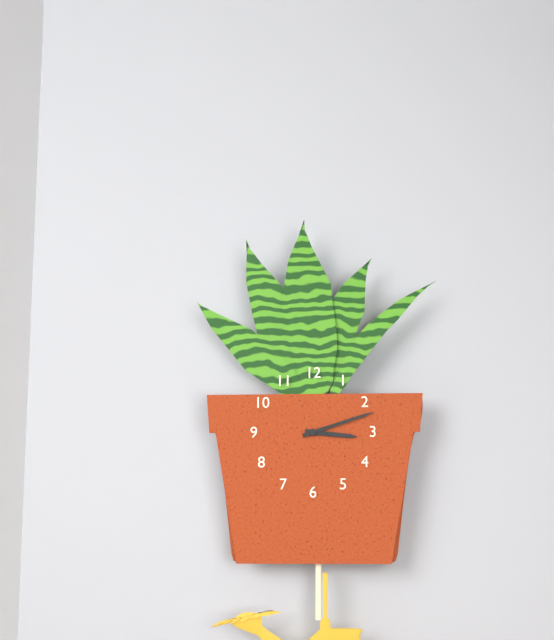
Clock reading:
3.12
